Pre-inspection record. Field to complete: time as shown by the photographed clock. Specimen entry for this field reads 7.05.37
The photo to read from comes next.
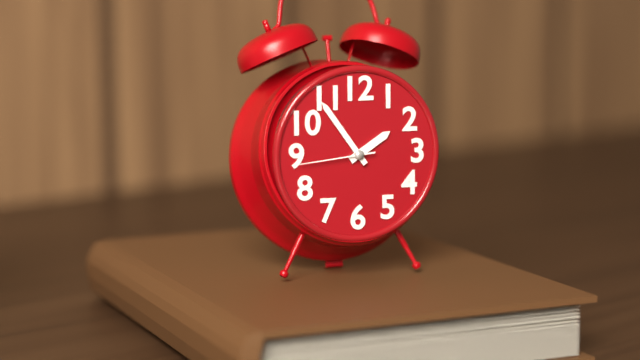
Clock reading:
1.54.44
